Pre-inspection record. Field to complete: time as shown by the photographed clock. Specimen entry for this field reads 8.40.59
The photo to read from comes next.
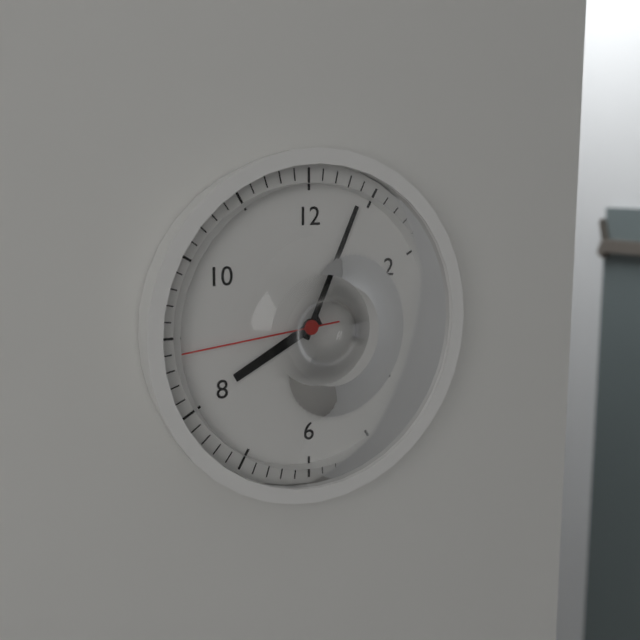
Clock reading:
8.04.44
